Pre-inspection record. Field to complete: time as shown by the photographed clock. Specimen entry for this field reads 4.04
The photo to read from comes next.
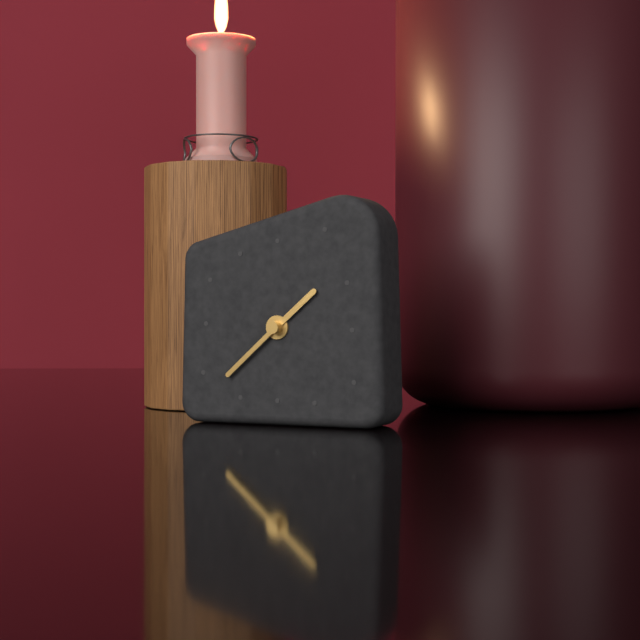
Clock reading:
1.38
